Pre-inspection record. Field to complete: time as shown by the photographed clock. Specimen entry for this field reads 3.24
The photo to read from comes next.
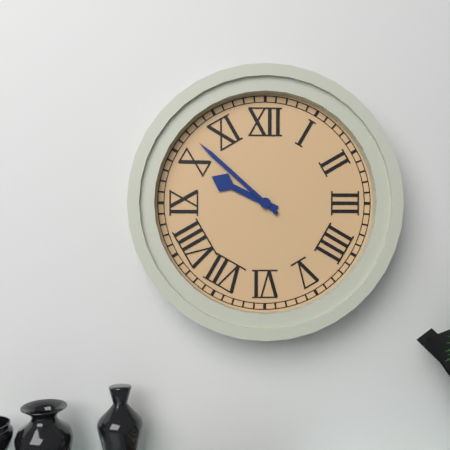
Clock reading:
9.52
